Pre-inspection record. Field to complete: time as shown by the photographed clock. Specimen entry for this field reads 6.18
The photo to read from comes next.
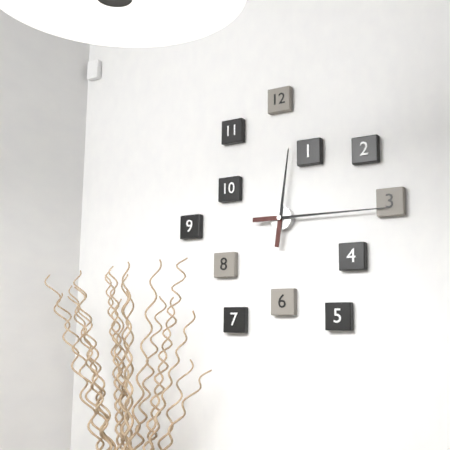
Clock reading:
12.15
